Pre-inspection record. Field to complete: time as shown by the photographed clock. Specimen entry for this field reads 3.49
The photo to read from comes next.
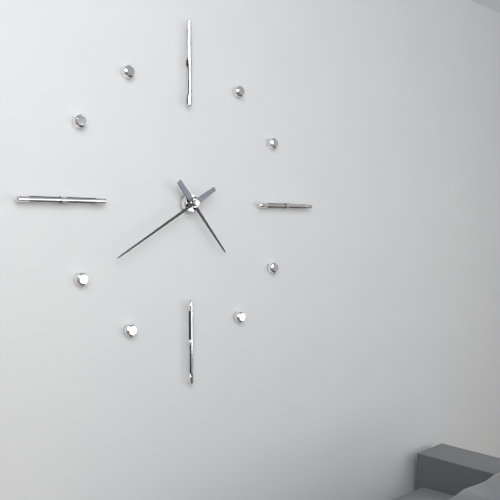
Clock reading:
4.40
